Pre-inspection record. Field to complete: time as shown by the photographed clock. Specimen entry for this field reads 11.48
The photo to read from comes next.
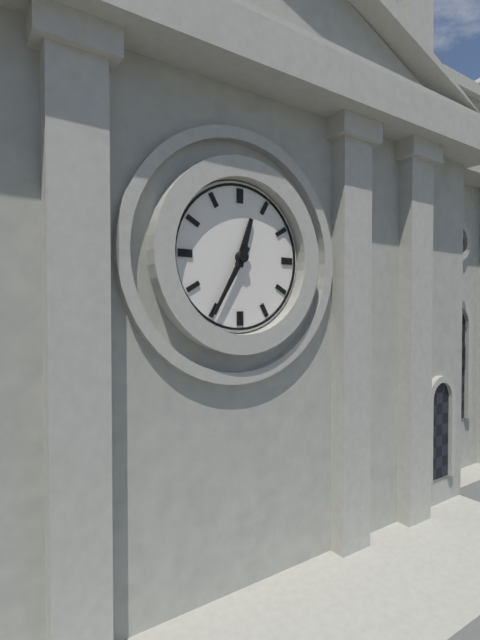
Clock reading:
12.35
